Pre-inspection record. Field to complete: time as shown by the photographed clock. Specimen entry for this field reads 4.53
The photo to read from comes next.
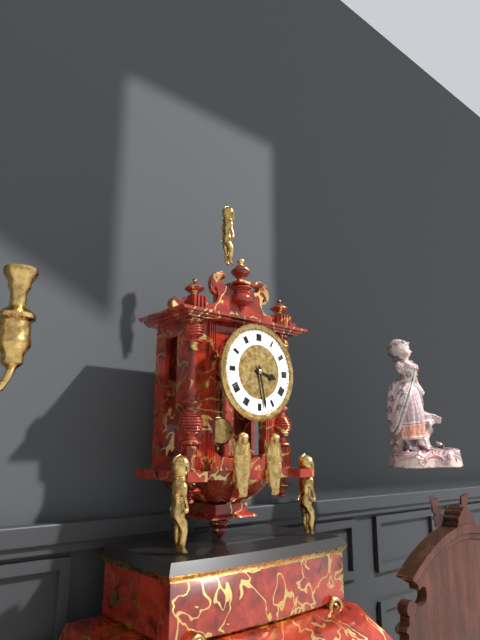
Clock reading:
3.28
